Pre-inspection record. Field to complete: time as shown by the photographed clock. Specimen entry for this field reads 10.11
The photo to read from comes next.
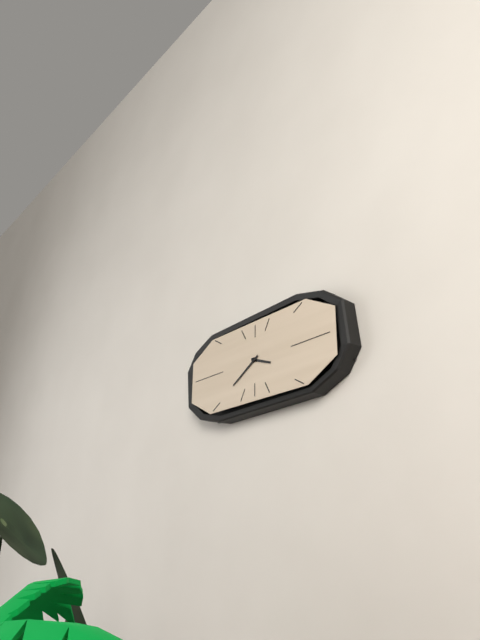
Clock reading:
3.40
